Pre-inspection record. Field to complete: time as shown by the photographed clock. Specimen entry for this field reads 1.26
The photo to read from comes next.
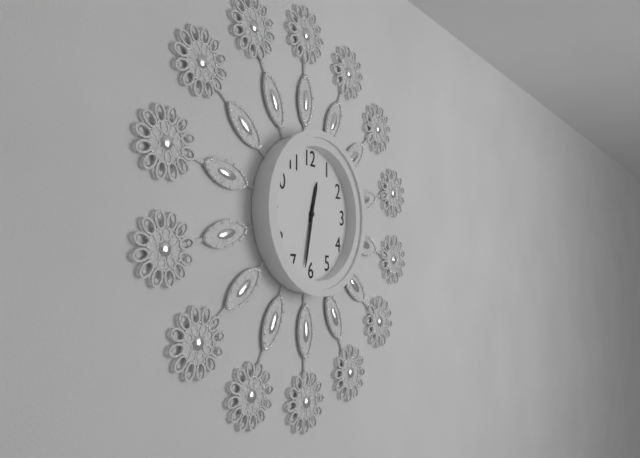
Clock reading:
12.32
